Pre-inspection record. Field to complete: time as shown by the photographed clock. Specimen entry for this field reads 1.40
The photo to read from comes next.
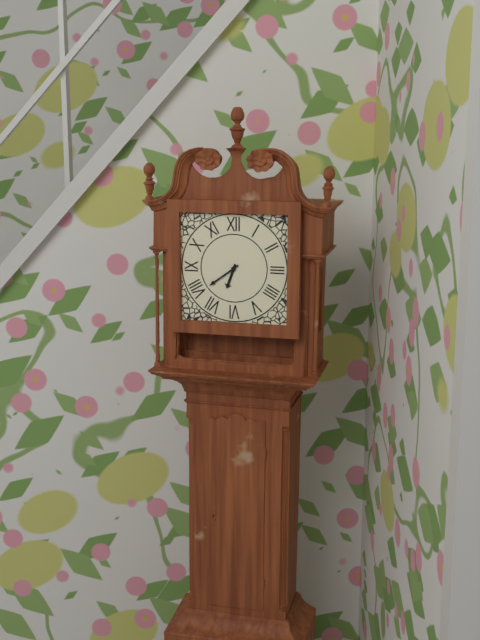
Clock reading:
6.39
